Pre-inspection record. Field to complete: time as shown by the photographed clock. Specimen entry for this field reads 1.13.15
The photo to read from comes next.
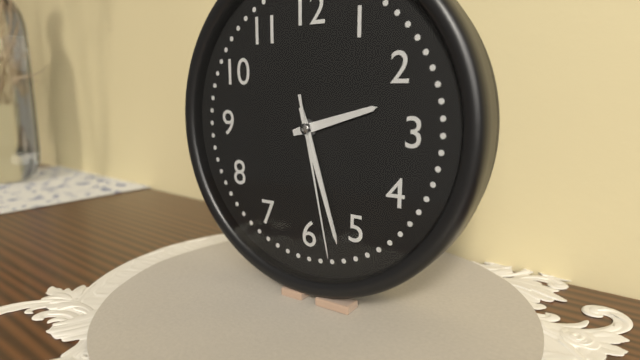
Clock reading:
2.27.28
